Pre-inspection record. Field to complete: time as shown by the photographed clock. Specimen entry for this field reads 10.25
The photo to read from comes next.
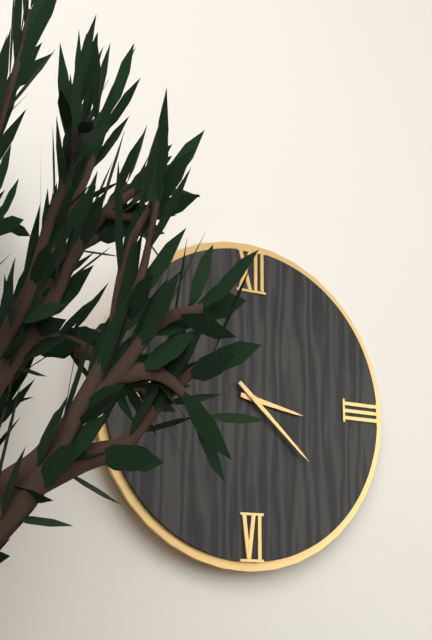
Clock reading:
3.22
